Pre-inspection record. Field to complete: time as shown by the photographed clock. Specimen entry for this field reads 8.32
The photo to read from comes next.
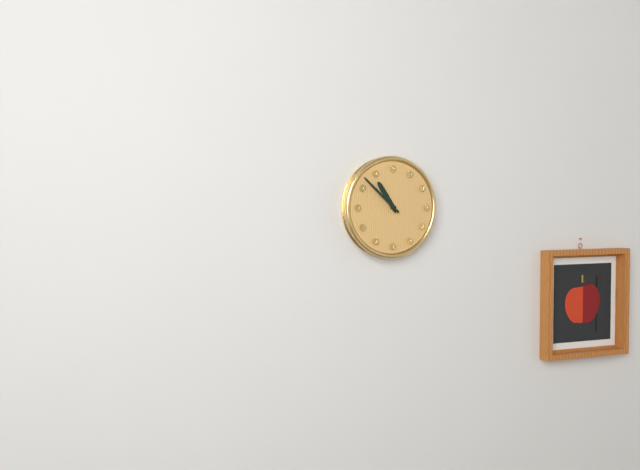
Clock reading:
10.52
